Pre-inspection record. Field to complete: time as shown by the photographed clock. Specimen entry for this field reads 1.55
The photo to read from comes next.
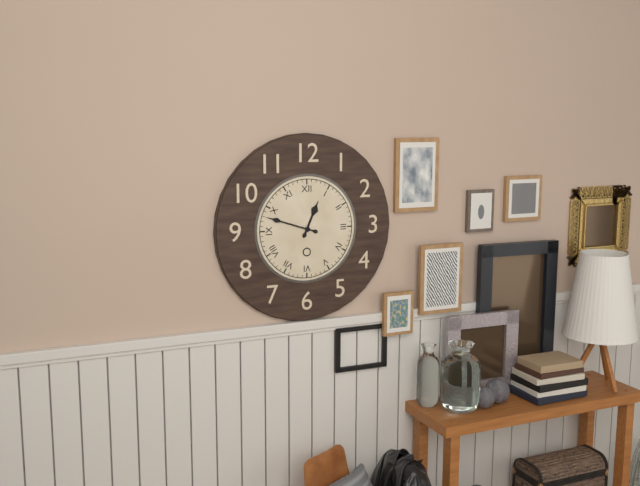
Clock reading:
12.48
